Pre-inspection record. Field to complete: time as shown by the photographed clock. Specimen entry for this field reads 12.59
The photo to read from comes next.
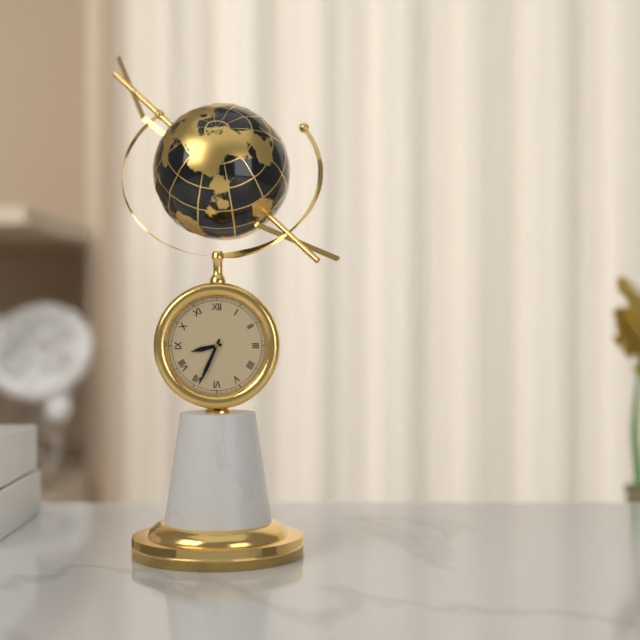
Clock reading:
8.34
